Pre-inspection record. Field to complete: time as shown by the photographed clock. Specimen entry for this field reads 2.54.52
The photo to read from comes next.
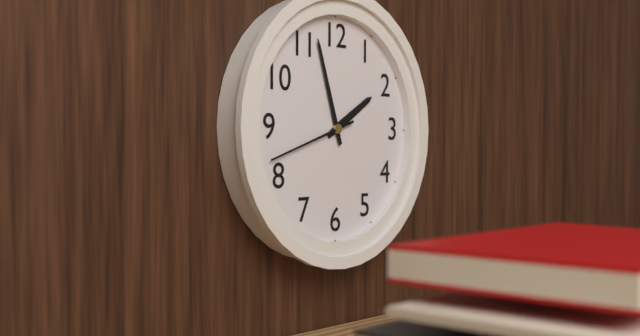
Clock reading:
1.57.42
